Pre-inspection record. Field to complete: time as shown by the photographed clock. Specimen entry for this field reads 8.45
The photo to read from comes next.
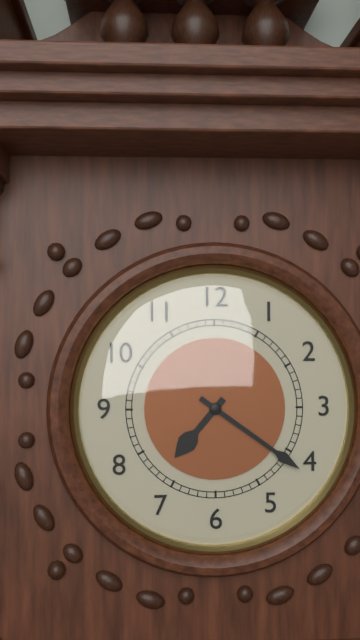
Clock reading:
7.21
